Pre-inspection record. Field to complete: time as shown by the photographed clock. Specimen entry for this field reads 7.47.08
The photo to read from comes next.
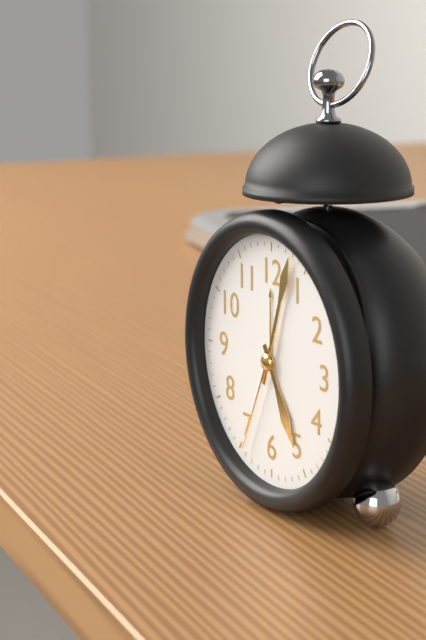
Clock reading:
5.03.34
